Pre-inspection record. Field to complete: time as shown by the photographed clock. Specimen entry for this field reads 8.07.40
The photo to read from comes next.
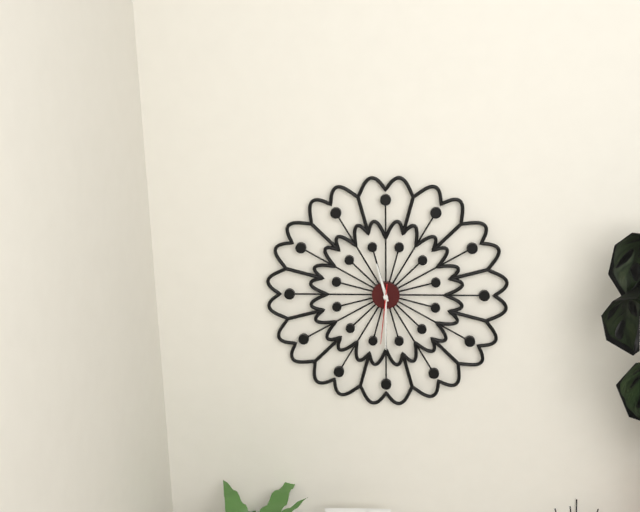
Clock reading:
11.30.31
